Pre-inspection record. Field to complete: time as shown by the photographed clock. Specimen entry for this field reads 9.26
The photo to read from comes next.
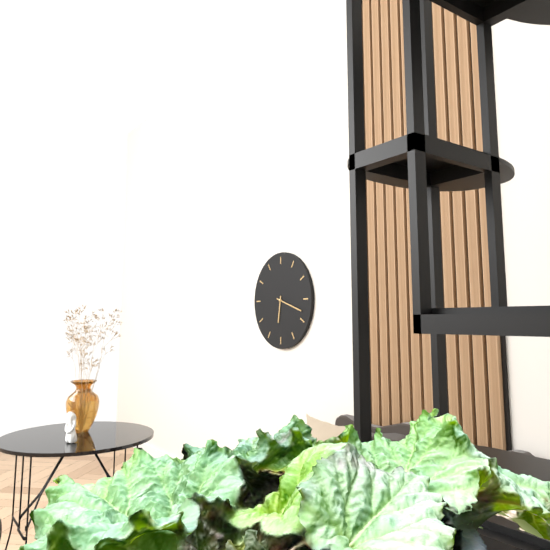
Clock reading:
6.18
